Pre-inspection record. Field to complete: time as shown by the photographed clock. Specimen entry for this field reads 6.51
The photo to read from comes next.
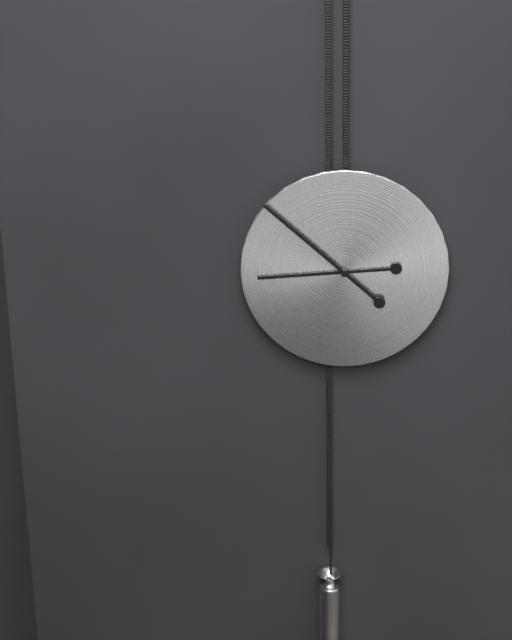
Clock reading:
8.52
